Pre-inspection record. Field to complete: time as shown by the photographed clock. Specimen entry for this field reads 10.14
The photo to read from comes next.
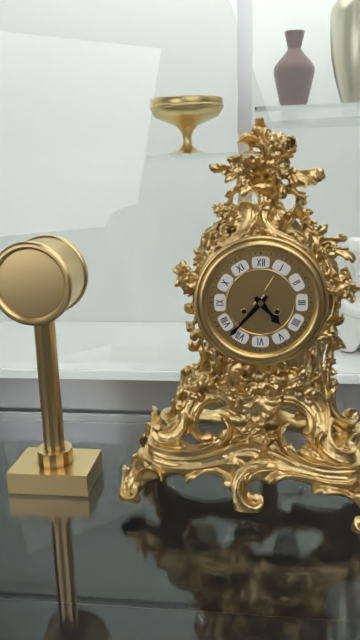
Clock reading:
4.37
